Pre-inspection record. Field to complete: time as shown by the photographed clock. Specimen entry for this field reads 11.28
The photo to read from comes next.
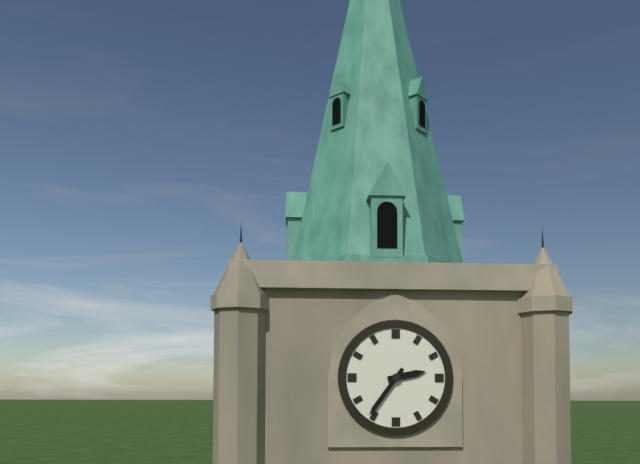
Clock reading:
2.36
